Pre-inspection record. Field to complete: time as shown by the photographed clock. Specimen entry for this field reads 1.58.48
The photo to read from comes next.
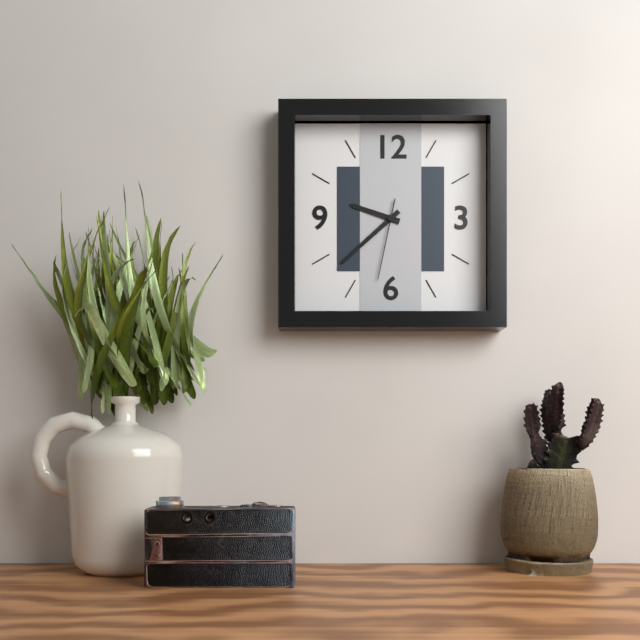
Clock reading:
9.38.32
